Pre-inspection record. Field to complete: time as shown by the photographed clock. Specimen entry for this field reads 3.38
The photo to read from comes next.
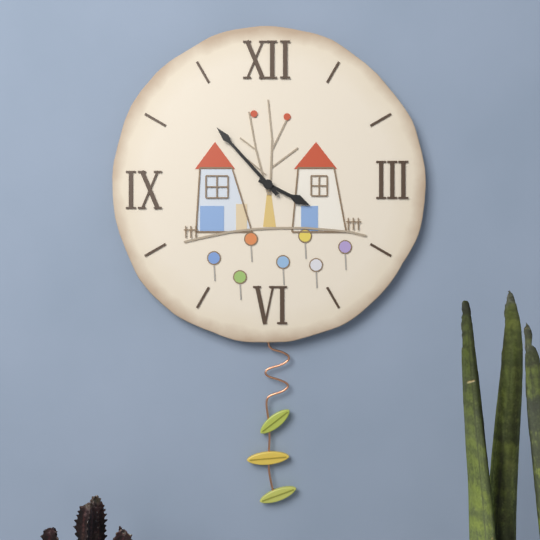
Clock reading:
3.53
